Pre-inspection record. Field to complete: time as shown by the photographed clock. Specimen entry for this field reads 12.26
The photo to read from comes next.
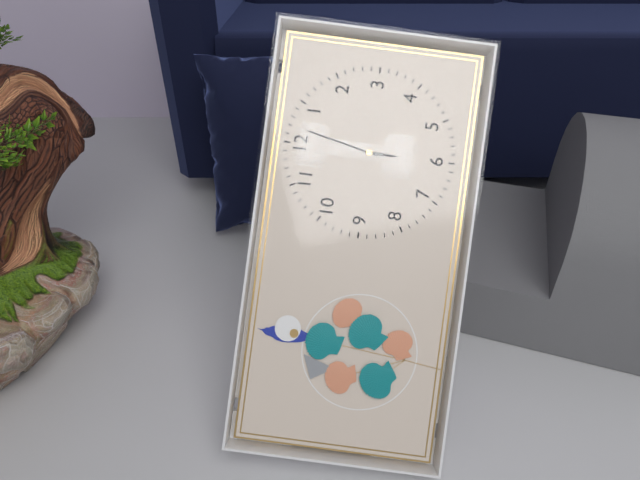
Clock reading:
6.02
